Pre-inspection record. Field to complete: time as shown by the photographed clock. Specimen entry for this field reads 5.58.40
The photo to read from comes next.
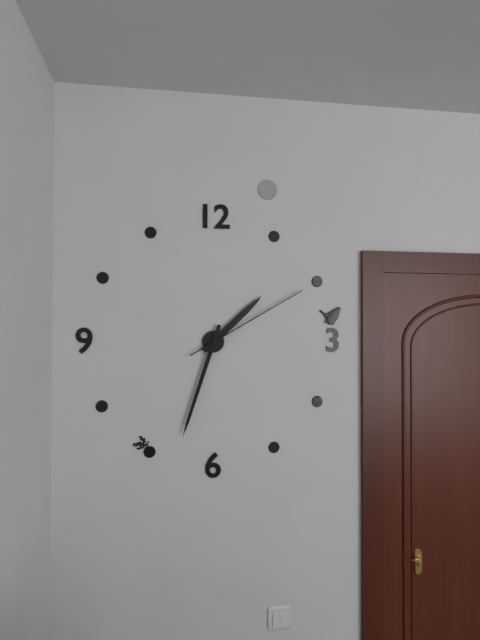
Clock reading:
1.33.10
